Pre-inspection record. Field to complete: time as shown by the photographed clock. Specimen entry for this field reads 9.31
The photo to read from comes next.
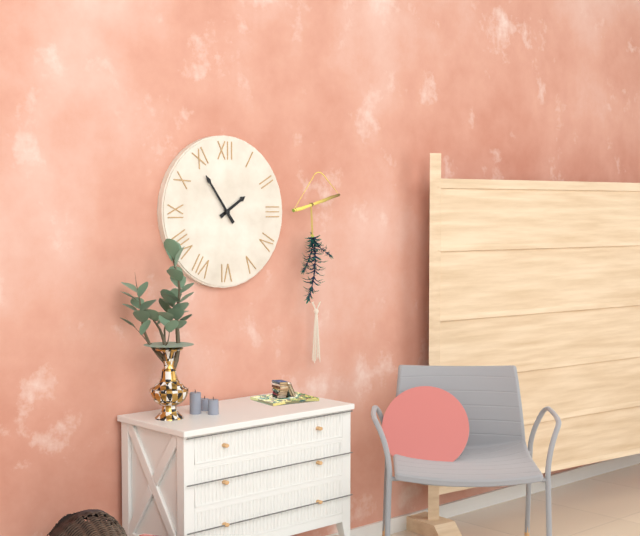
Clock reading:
1.54
